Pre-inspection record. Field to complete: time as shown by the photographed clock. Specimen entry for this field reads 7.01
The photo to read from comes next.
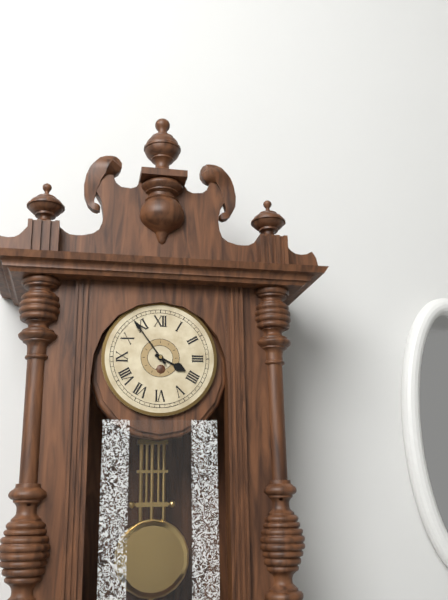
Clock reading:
3.54
